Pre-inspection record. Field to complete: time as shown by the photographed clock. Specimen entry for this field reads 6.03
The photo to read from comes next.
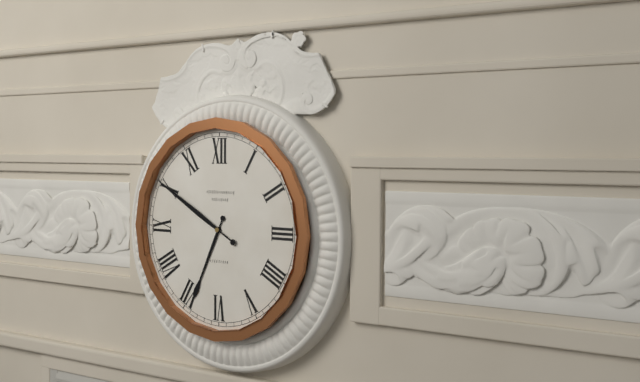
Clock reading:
6.50
